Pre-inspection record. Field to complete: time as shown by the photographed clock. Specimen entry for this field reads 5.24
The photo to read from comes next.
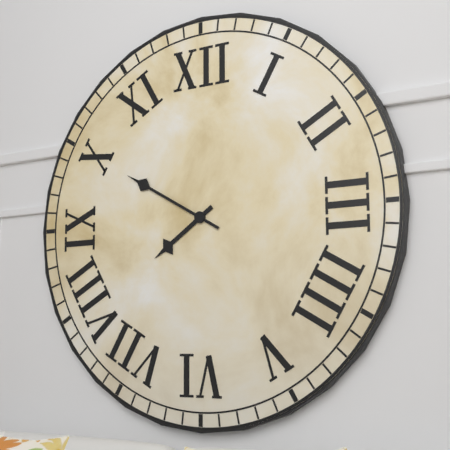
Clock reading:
7.50
